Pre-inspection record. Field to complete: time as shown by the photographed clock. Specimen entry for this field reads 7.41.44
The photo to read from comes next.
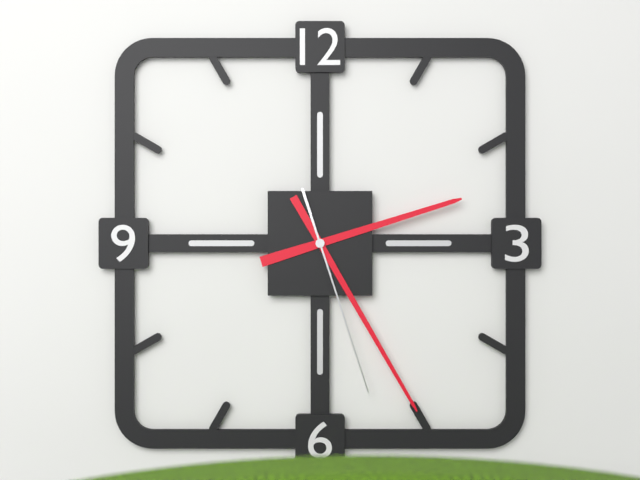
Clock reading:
2.25.27
